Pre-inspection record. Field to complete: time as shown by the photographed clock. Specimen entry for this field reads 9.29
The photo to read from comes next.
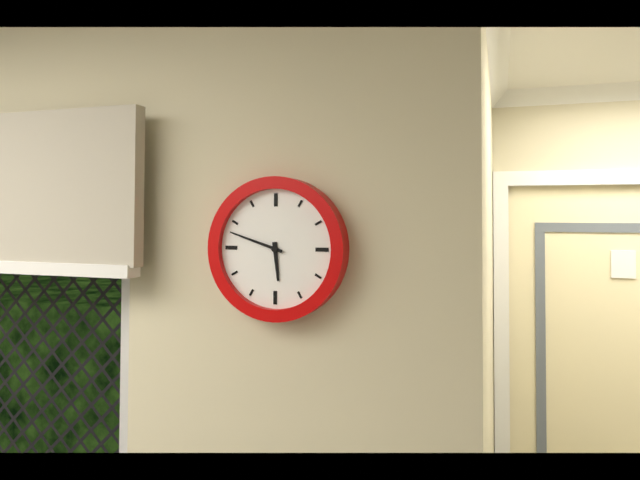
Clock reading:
5.48
